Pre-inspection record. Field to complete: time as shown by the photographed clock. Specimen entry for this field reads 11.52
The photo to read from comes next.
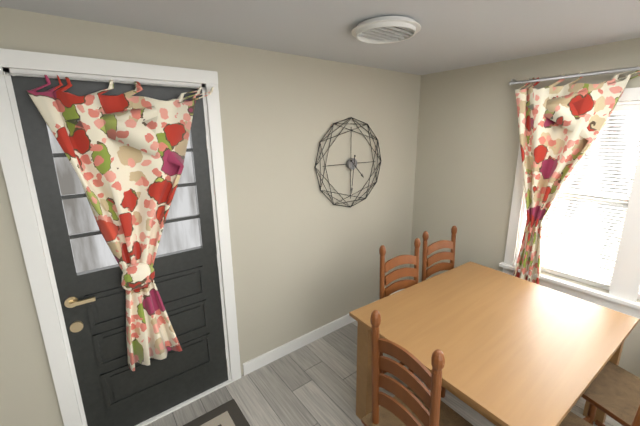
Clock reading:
4.31
